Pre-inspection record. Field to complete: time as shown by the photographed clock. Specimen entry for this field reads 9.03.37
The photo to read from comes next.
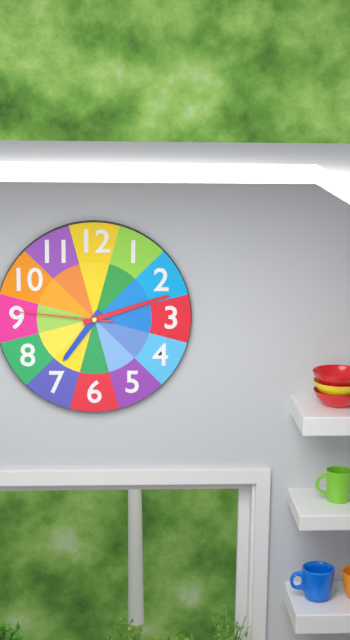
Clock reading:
7.12.46
